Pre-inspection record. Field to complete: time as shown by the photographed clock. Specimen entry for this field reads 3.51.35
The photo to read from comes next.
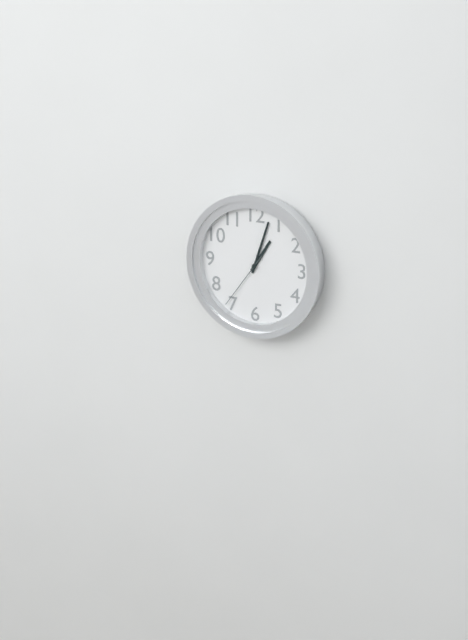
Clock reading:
1.03.36
